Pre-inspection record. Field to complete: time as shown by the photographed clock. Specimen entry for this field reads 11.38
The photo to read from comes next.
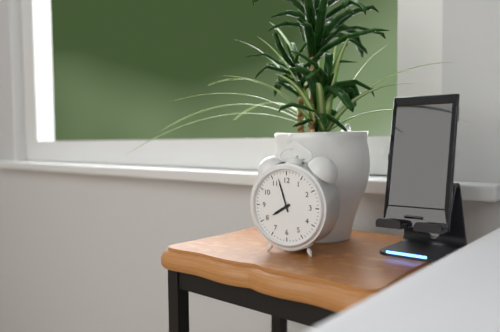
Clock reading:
7.57
